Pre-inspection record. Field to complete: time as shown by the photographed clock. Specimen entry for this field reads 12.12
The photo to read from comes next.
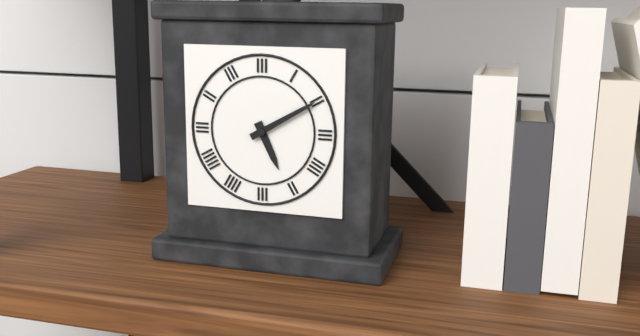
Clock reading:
5.10
